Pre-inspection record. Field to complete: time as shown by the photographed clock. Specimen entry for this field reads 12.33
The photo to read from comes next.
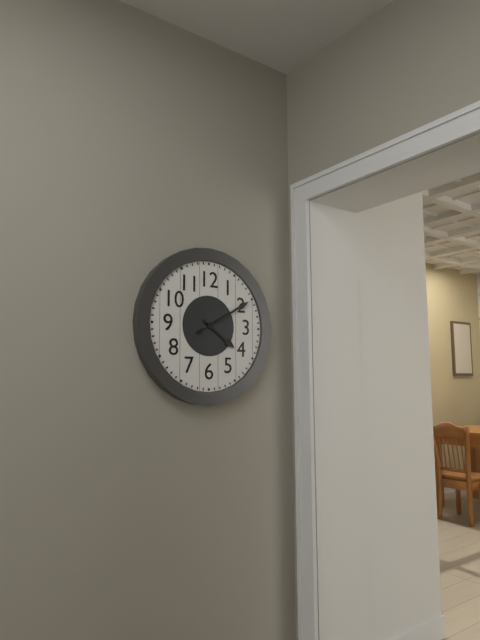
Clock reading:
4.10
